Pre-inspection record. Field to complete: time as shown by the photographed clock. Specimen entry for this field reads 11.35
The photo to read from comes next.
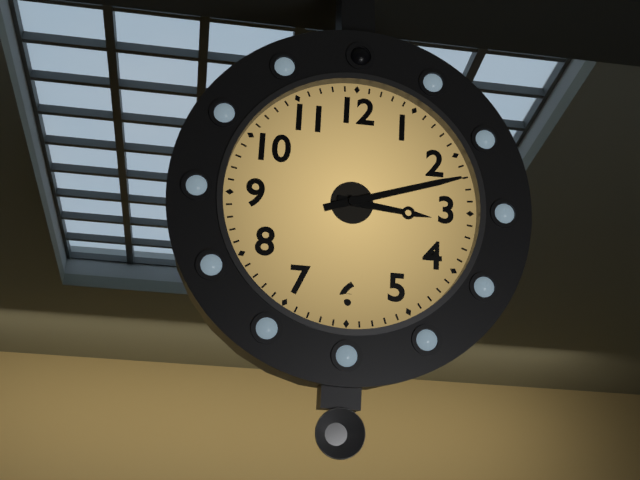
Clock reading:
3.12
